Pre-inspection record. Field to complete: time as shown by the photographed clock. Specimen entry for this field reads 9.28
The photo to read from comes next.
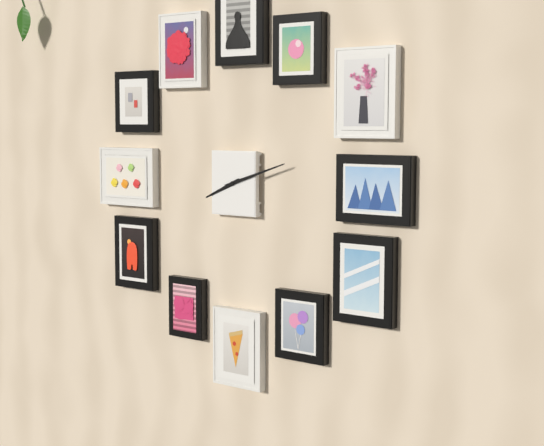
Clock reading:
8.12
